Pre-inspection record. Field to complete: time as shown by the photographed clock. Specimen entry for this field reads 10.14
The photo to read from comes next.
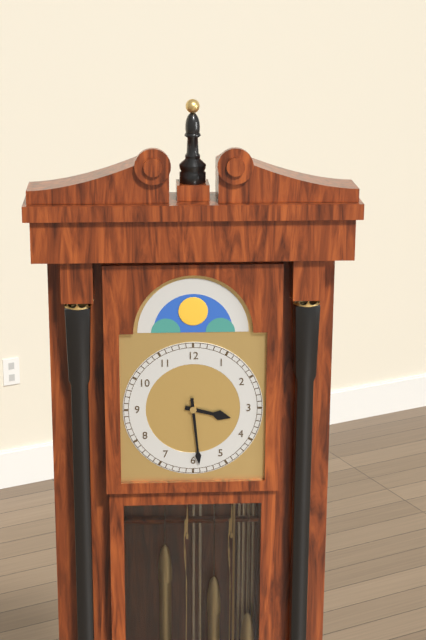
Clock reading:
3.29
